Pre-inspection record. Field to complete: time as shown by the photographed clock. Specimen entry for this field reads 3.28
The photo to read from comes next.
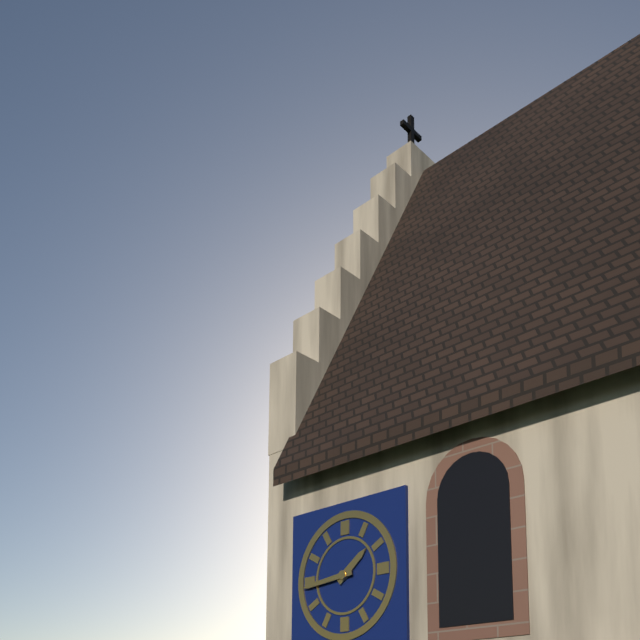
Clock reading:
1.44
